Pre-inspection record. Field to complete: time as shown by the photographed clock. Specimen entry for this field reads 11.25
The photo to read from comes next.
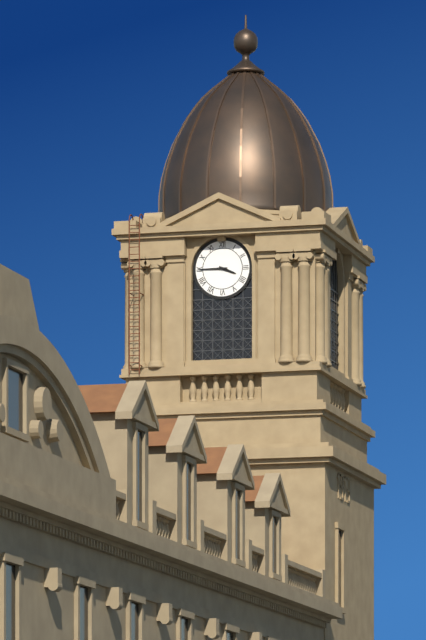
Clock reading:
3.45
